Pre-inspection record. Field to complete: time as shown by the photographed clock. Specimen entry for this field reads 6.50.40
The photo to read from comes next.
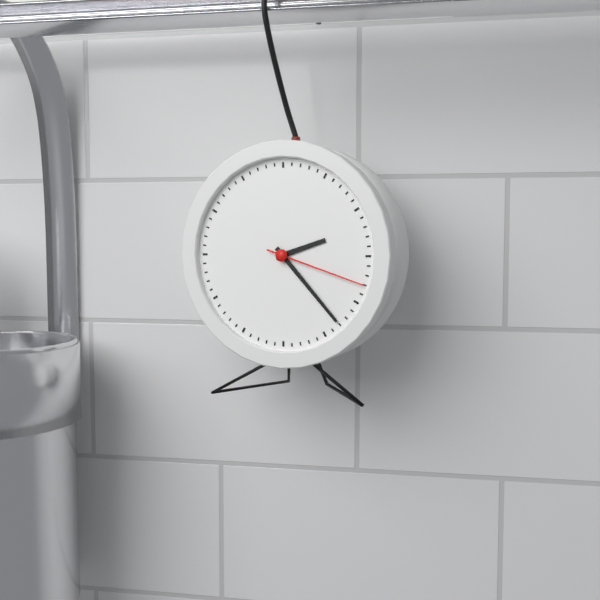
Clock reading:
2.23.18
